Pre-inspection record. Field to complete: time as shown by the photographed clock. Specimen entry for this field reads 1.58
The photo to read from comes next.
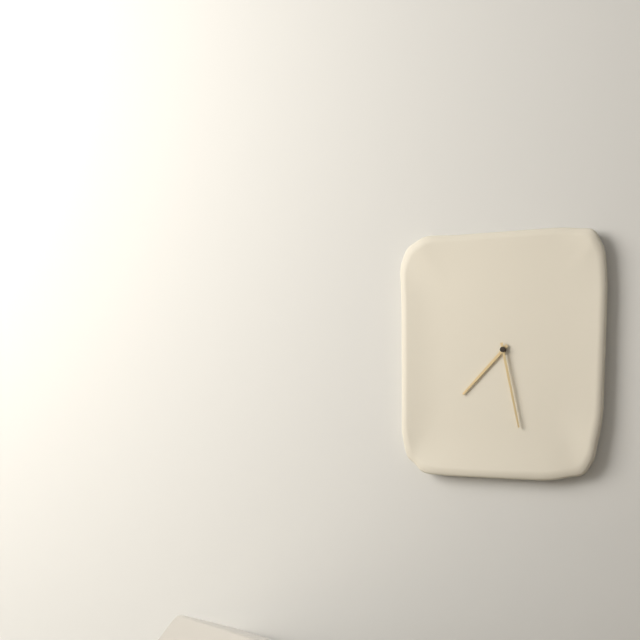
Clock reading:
7.28
